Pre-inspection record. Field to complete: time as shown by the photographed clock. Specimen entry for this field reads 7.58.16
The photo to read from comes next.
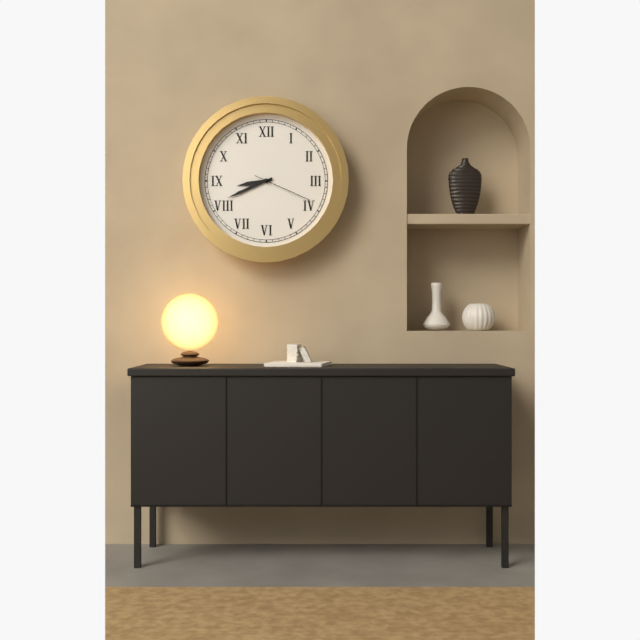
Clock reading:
8.41.19
